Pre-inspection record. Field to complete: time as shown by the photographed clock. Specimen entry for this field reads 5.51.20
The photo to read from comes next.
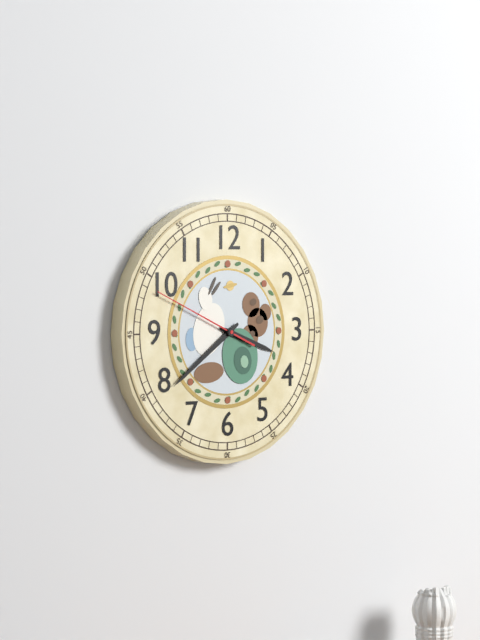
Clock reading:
3.39.49
